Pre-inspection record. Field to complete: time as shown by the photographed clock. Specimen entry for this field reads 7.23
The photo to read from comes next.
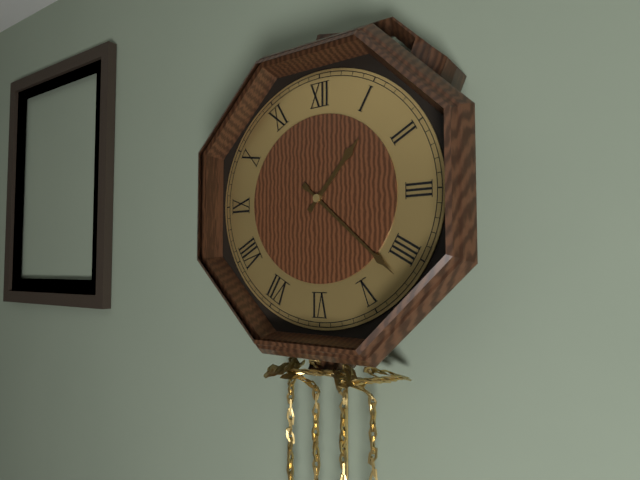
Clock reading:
1.22
